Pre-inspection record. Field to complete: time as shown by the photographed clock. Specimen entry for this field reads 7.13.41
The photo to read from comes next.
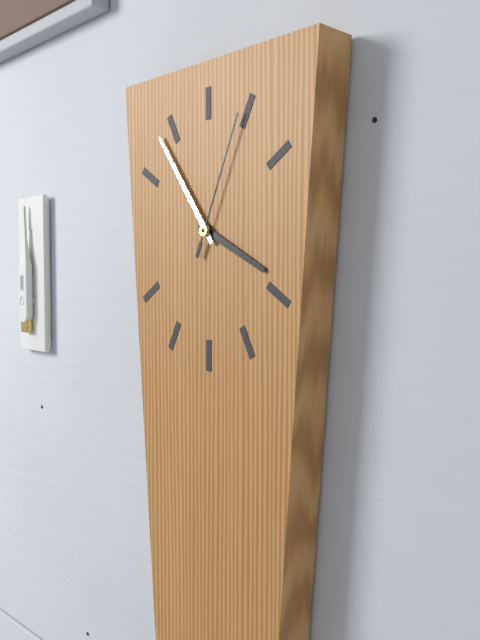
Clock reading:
3.54.04
